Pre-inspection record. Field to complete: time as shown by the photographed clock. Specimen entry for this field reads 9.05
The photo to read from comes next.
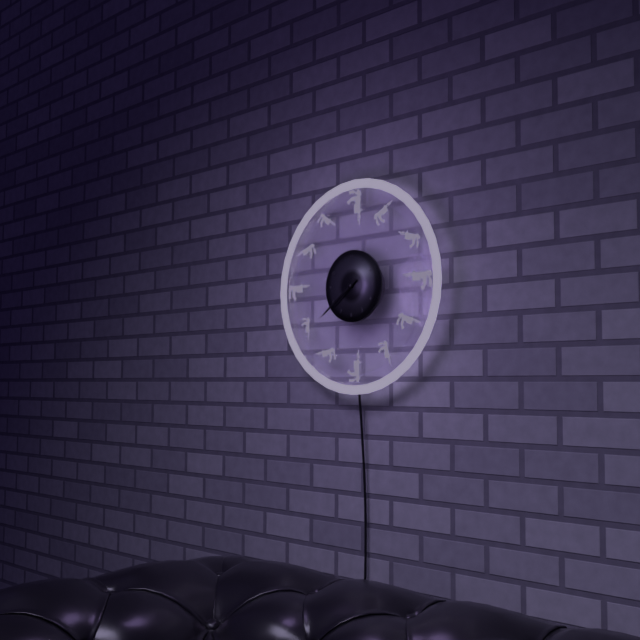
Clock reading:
7.39
